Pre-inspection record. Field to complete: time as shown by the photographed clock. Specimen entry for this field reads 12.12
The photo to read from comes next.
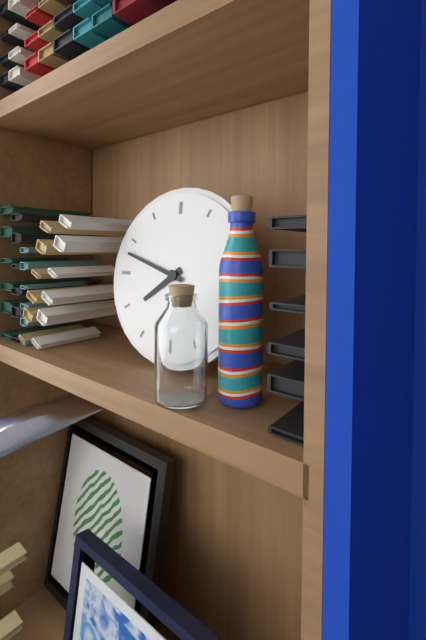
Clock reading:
7.48
